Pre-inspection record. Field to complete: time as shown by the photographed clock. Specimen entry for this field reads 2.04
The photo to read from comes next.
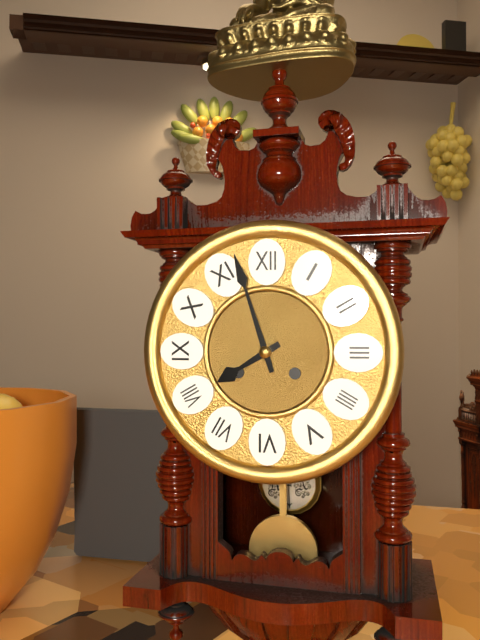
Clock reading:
7.57
